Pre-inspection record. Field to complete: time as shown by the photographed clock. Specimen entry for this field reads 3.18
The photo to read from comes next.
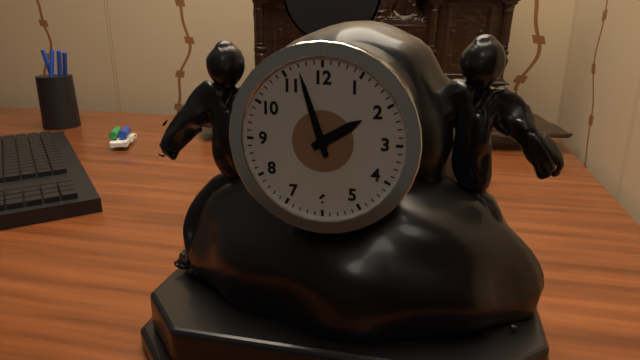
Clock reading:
1.57
